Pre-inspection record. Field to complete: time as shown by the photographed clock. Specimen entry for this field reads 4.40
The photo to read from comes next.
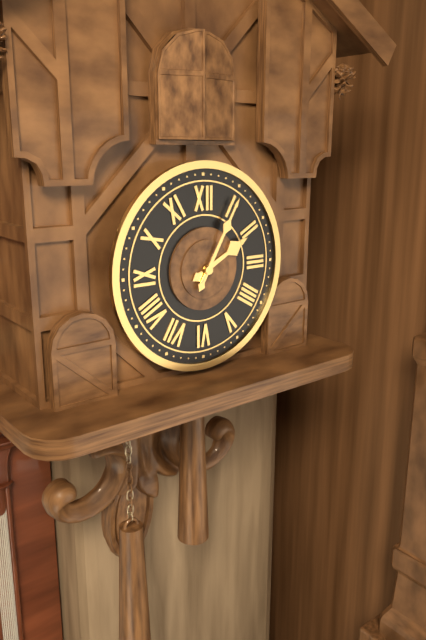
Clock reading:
2.05
